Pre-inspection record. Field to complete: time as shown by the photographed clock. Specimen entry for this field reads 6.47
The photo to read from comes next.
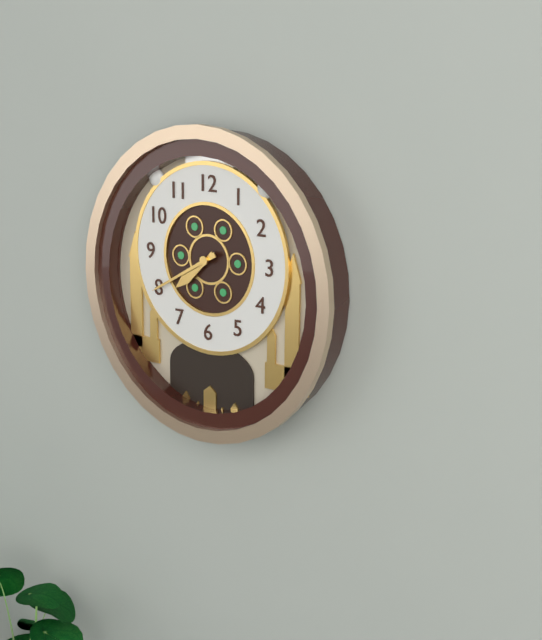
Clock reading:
7.40
